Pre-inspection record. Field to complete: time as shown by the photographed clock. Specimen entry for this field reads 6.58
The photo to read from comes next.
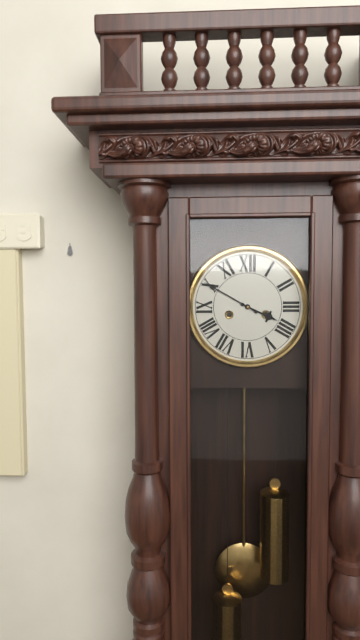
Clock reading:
3.50
